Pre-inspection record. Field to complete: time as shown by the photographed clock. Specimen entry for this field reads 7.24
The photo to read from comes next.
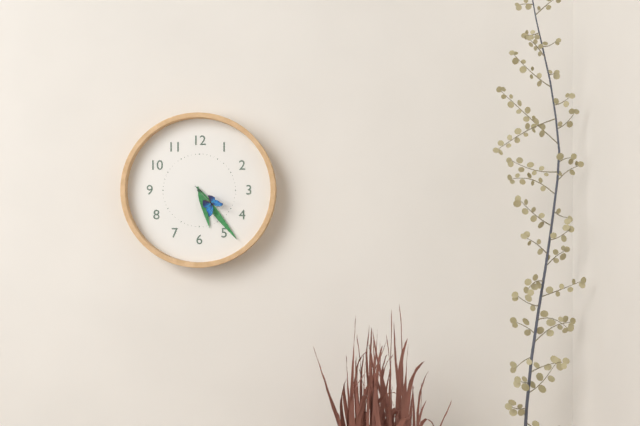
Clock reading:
5.24
